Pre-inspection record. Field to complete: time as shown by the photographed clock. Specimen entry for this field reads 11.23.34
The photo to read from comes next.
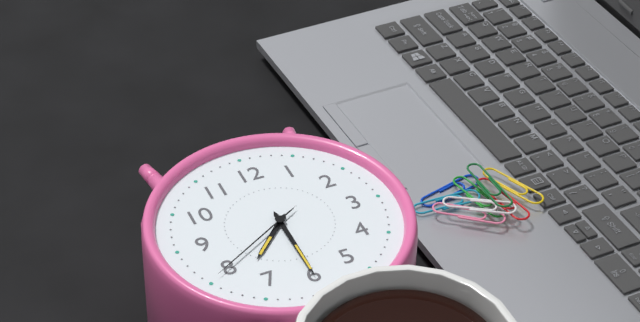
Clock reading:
7.30.40
